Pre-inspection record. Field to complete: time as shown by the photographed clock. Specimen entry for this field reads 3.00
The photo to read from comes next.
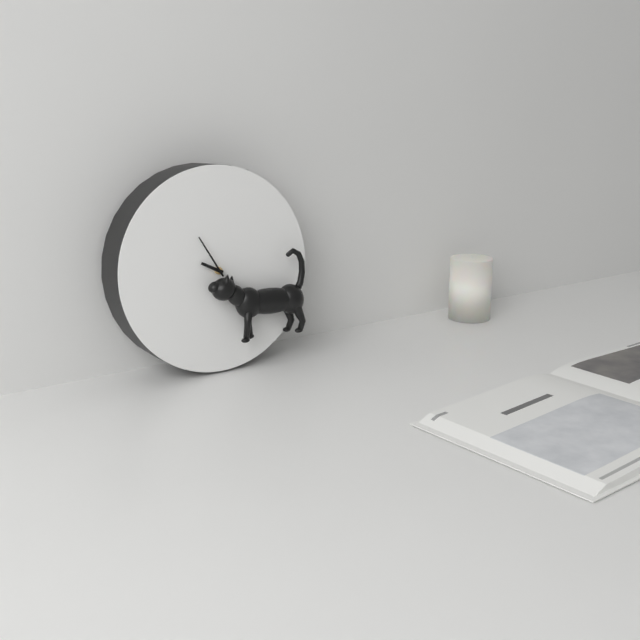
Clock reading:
9.55
